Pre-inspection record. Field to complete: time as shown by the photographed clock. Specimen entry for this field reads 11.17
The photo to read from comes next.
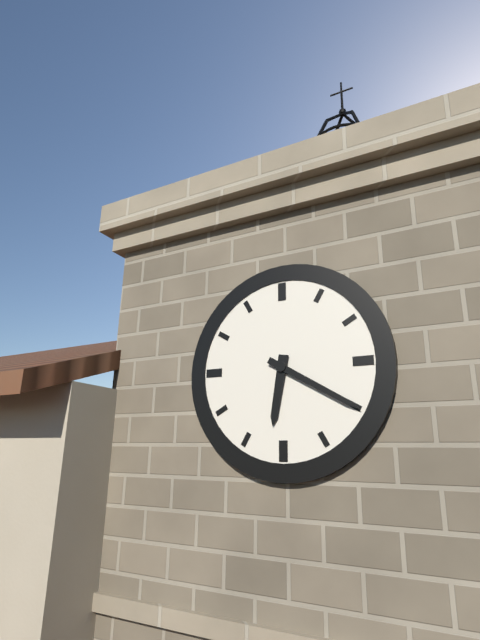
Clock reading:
6.20
